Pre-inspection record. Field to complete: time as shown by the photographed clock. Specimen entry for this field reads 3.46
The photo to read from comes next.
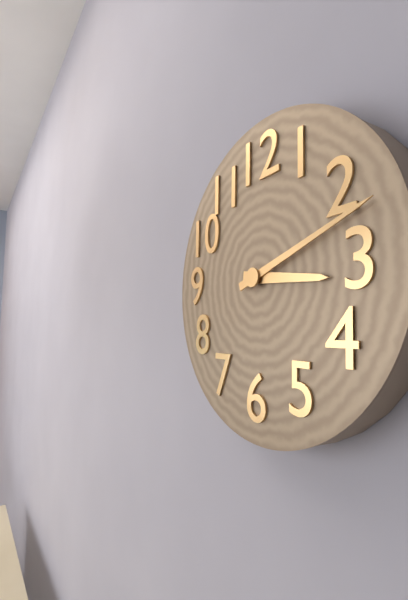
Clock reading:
3.12
